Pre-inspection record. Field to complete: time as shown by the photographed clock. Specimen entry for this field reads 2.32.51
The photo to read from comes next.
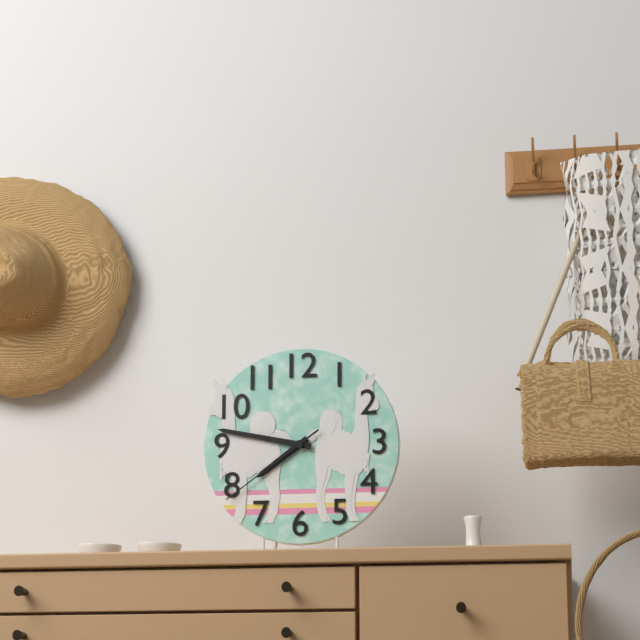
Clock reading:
7.47.39
